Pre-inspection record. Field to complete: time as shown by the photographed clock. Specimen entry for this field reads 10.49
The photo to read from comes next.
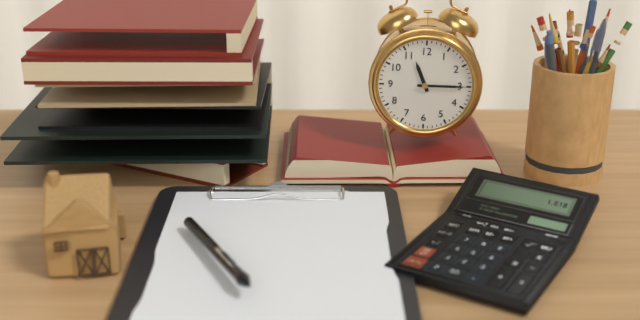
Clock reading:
11.15
